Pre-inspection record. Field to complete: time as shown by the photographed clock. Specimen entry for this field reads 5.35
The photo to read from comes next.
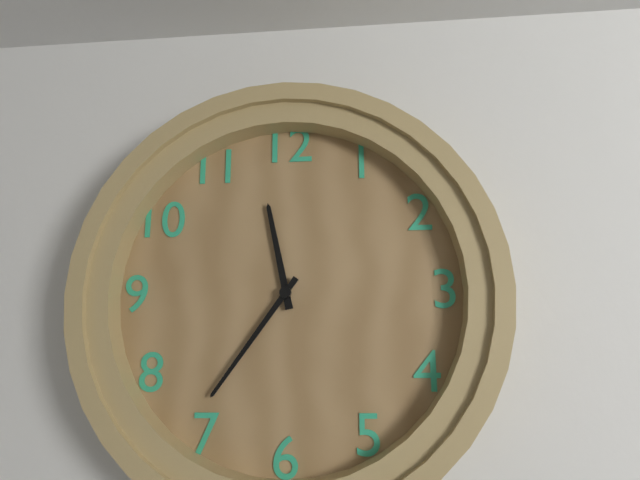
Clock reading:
11.36
